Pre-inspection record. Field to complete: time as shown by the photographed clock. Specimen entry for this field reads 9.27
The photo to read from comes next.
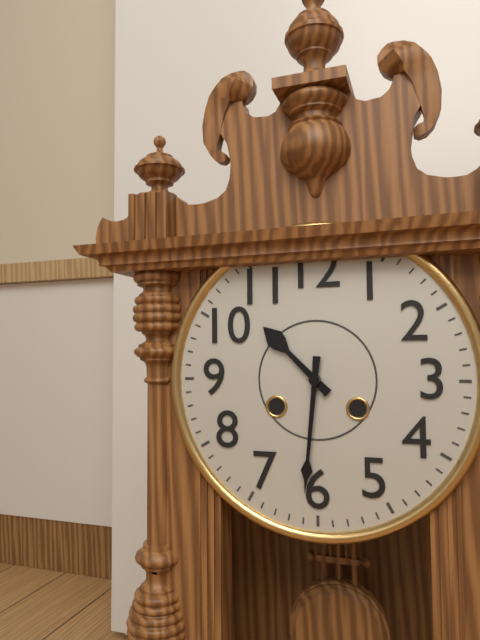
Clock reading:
10.31
